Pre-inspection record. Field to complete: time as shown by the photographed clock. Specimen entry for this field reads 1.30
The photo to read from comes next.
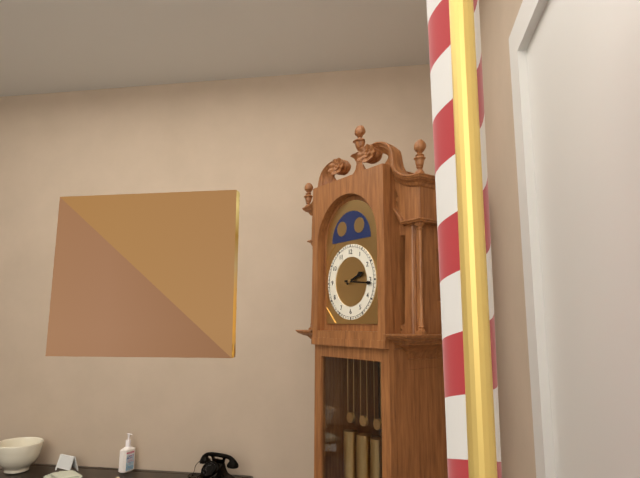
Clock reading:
2.16
